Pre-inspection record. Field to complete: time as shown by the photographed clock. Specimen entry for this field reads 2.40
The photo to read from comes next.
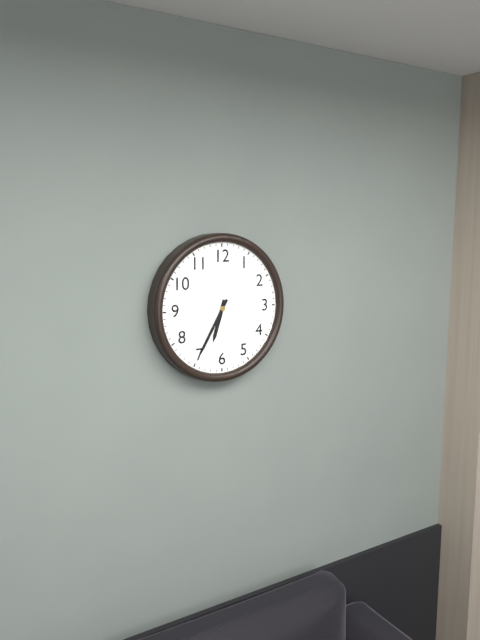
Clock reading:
6.35
